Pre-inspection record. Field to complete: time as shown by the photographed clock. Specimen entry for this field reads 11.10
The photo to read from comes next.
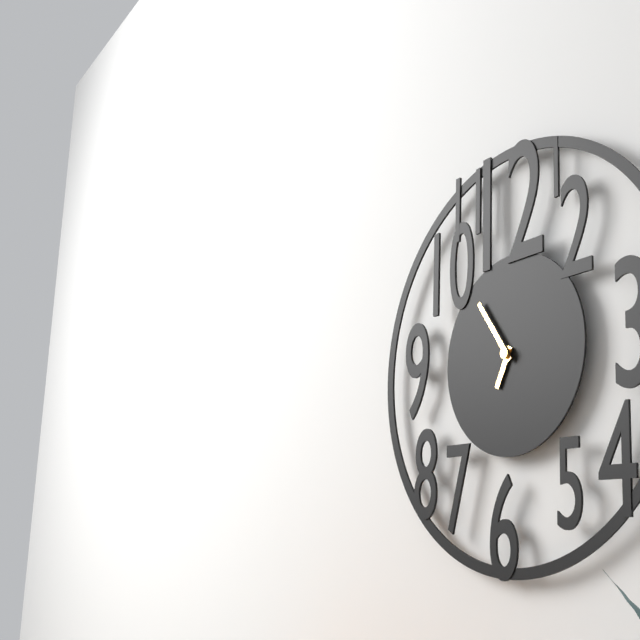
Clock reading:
6.54
